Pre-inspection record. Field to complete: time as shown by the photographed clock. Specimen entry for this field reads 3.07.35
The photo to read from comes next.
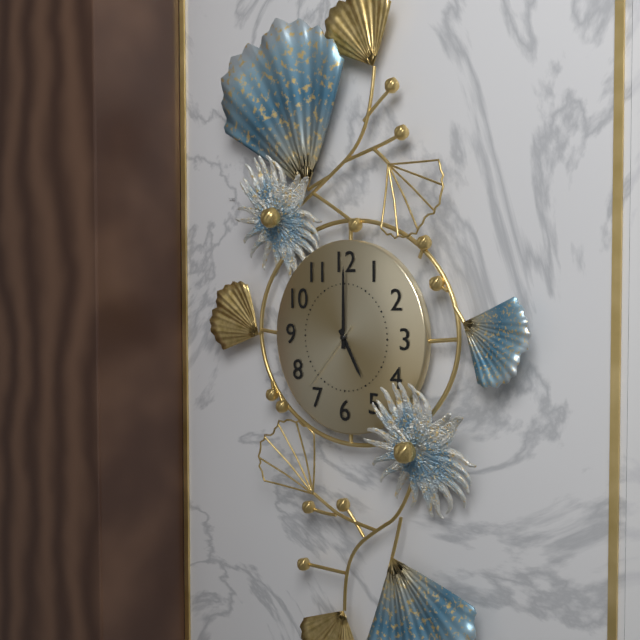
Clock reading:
5.00.37
